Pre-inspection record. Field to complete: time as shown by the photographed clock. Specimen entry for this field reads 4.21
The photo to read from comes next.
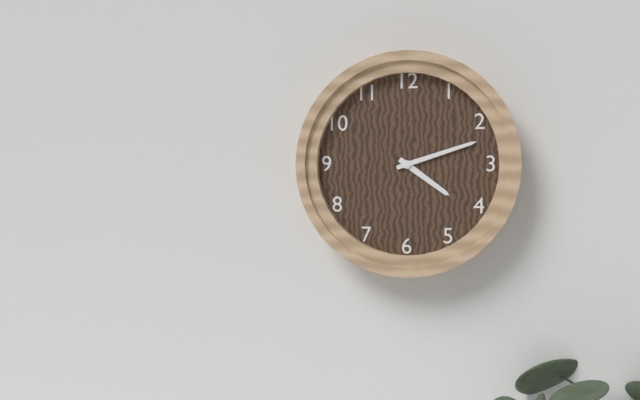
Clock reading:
4.12
